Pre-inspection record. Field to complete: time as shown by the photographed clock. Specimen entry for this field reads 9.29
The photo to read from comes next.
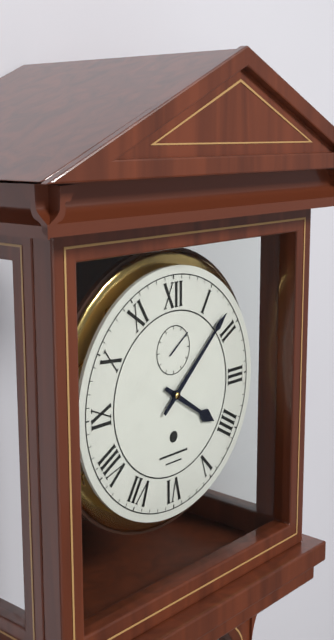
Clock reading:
4.08
